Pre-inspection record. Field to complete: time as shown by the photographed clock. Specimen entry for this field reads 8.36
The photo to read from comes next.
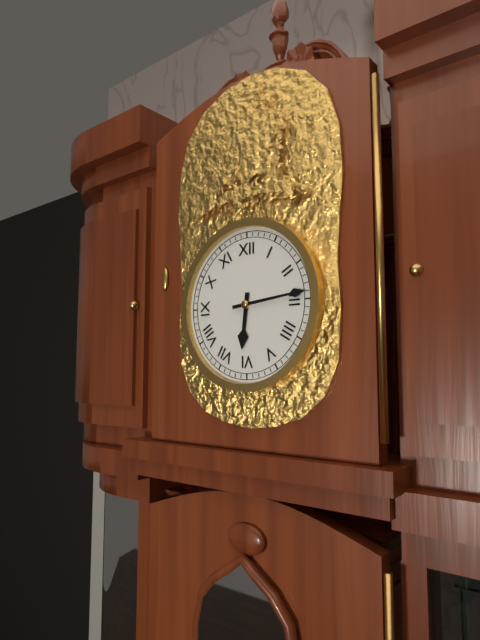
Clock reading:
6.14
